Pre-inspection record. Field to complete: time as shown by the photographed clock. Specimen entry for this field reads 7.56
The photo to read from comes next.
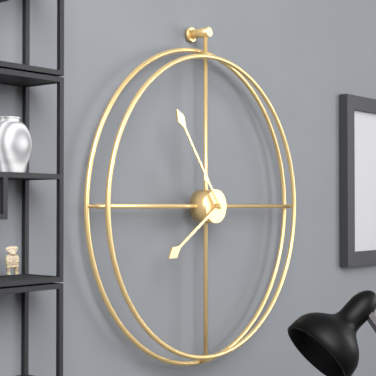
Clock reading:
7.54
